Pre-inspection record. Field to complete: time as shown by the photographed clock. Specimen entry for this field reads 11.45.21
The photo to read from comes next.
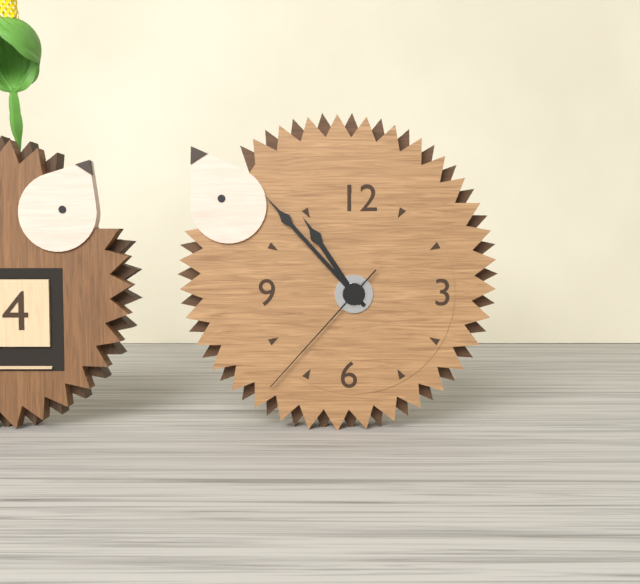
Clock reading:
10.53.37
